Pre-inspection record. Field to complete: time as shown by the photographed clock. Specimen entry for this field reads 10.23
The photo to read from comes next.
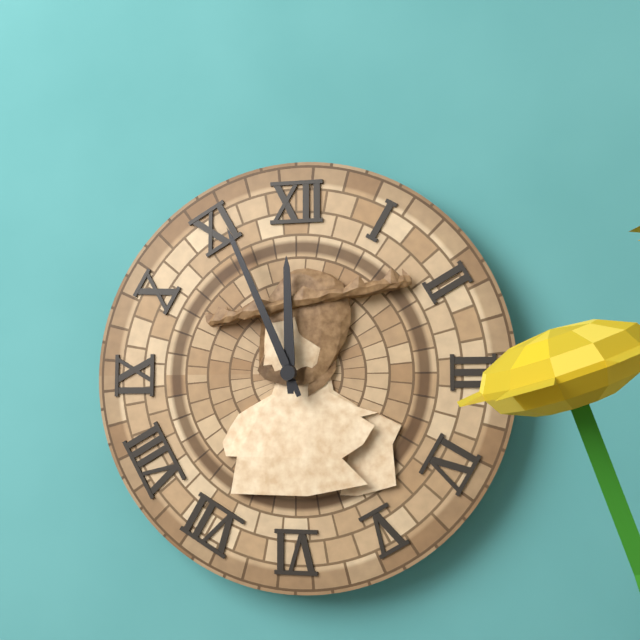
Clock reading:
11.56
